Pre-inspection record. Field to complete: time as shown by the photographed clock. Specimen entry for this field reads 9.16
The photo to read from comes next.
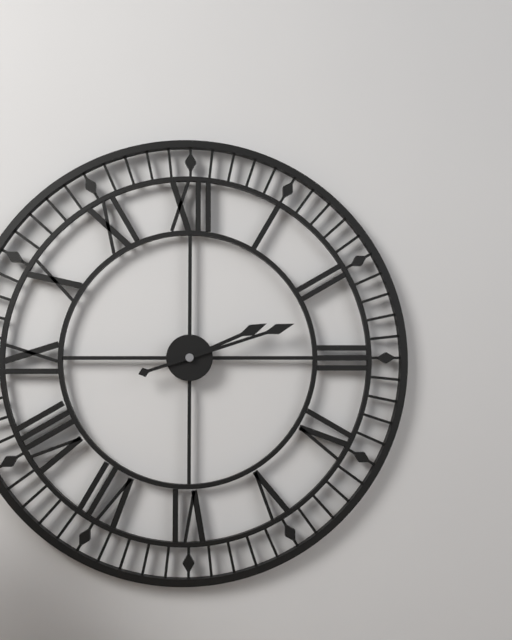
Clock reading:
2.12
